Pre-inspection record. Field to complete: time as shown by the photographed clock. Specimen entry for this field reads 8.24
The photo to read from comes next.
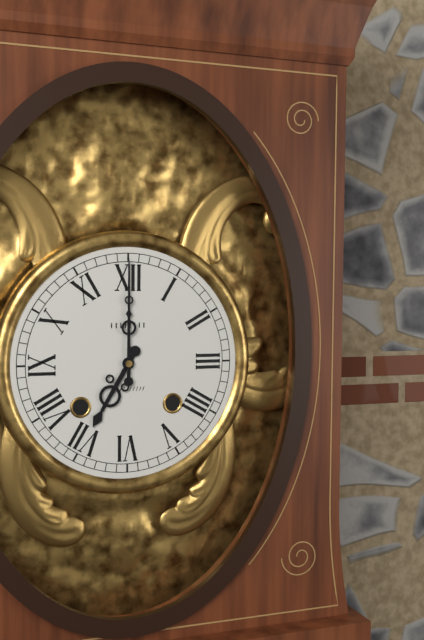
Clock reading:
7.00
